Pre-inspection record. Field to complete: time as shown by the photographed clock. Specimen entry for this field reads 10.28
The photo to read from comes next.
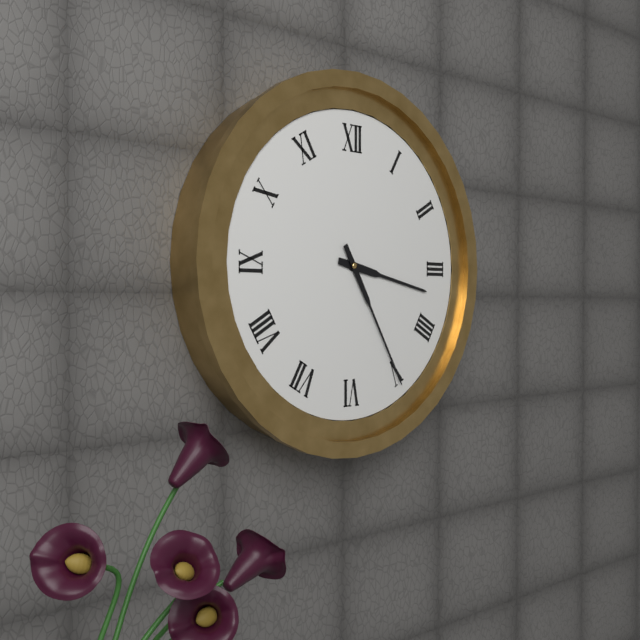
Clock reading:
3.25
